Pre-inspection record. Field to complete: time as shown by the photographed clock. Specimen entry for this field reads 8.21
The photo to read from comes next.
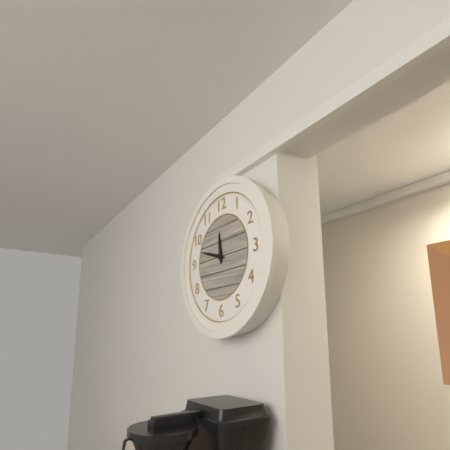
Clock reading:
11.48
